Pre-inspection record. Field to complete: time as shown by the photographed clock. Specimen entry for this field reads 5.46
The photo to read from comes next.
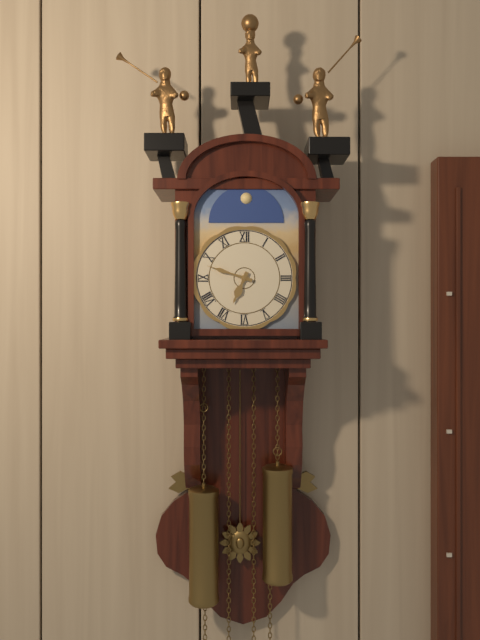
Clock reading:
6.48
